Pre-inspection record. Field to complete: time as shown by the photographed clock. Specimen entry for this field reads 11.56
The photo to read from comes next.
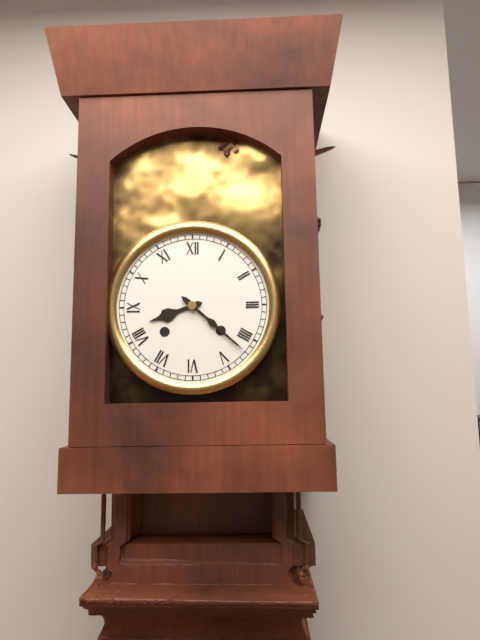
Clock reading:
8.22
